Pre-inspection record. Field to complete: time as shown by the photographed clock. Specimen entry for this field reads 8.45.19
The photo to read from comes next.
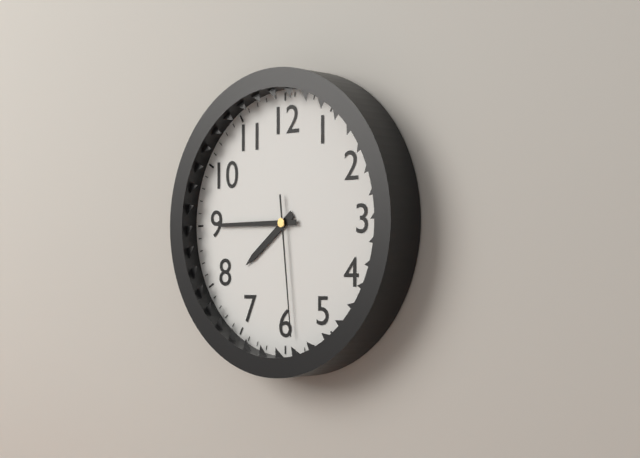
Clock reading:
7.45.29
